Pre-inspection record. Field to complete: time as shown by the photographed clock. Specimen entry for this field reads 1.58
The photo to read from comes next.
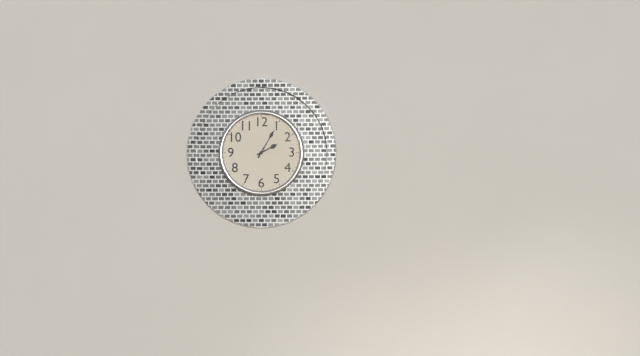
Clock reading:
2.05
